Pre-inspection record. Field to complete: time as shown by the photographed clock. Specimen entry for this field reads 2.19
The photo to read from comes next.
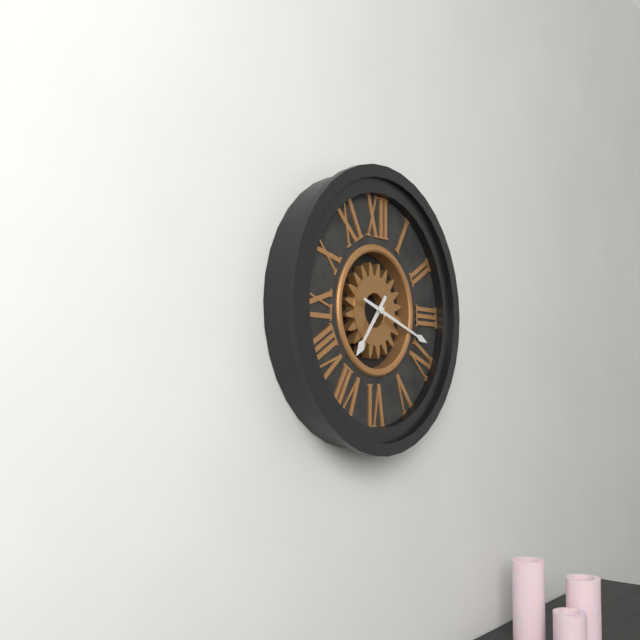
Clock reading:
7.18
